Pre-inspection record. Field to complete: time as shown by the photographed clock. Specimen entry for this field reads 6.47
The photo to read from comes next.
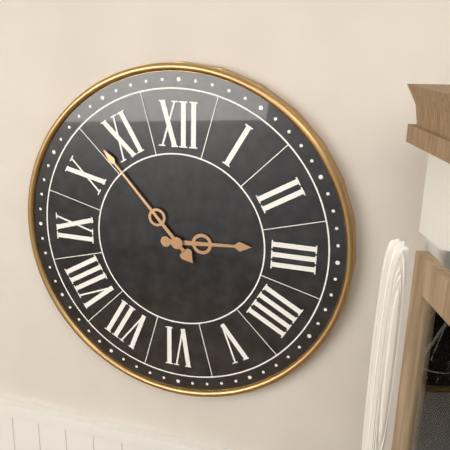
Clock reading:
2.53
